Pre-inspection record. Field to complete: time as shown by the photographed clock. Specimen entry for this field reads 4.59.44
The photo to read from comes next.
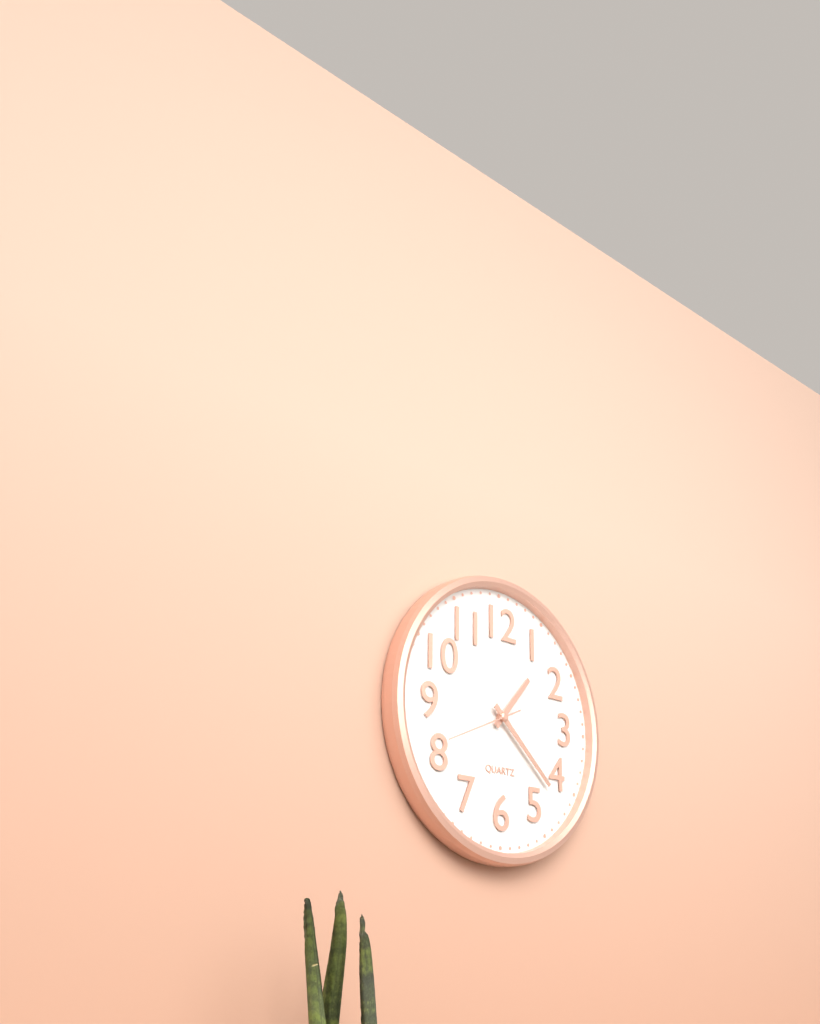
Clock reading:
1.22.41
